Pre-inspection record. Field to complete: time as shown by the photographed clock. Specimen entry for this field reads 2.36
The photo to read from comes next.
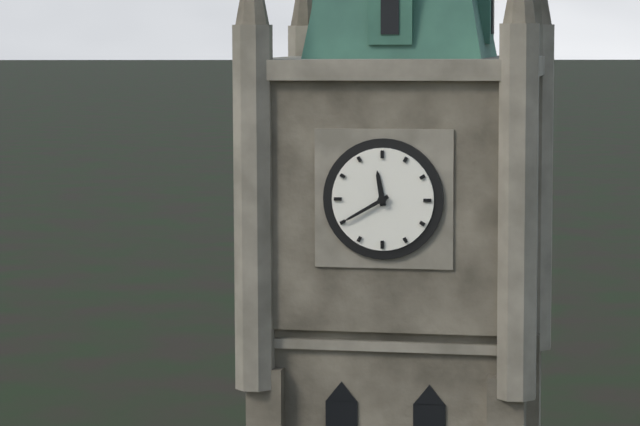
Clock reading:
11.40
